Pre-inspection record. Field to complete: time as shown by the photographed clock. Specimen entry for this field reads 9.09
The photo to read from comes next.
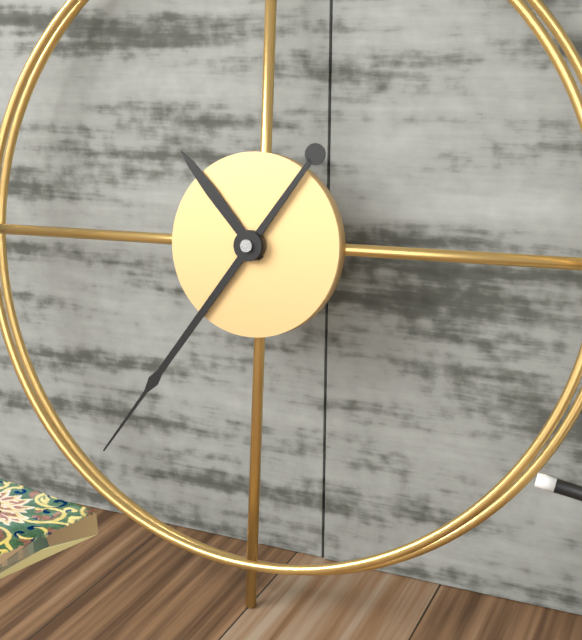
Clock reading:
10.36
